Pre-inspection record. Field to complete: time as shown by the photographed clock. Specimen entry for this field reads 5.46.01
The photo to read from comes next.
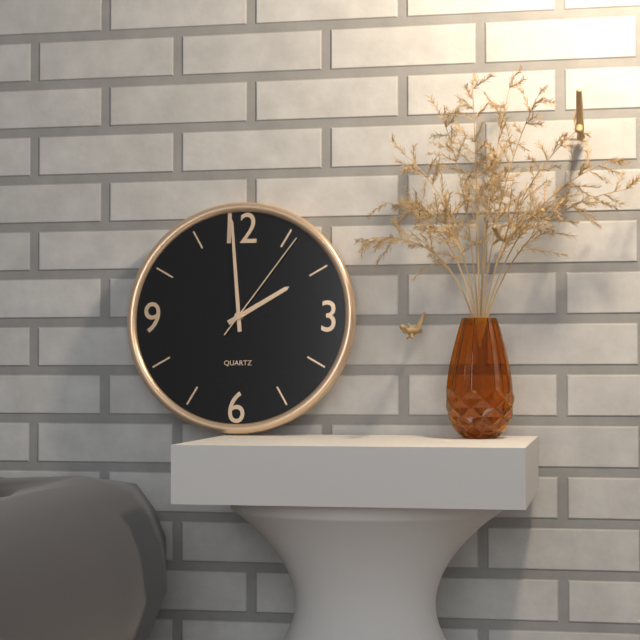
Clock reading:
1.59.06
